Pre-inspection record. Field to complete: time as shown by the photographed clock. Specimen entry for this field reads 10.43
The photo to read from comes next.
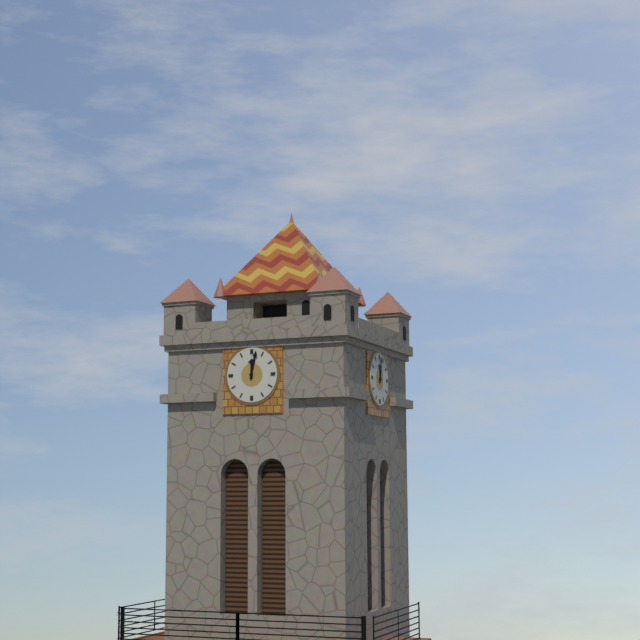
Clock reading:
12.02
